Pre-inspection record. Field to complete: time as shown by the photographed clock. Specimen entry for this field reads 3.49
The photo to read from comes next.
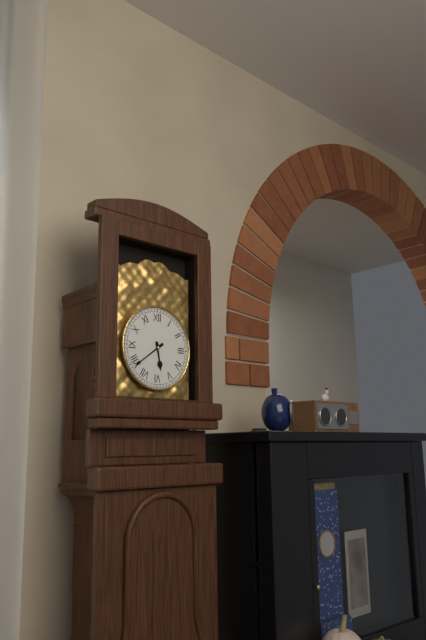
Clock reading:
5.39
